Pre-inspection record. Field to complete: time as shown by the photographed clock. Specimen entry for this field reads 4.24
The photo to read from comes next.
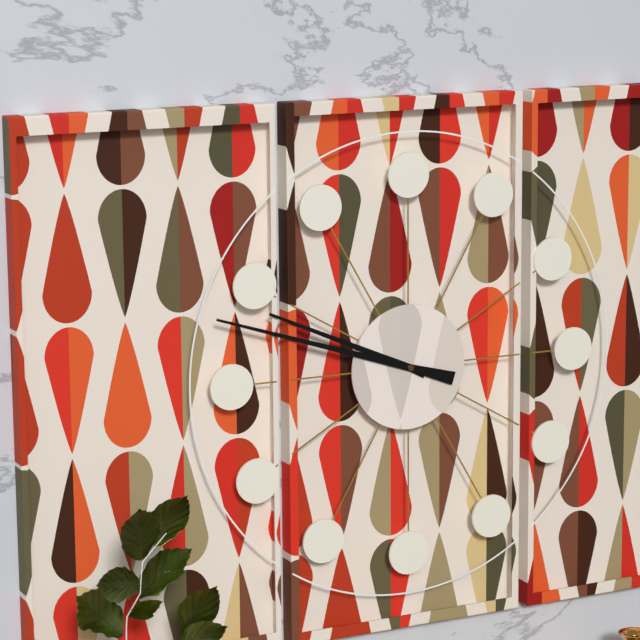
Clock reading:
9.48
